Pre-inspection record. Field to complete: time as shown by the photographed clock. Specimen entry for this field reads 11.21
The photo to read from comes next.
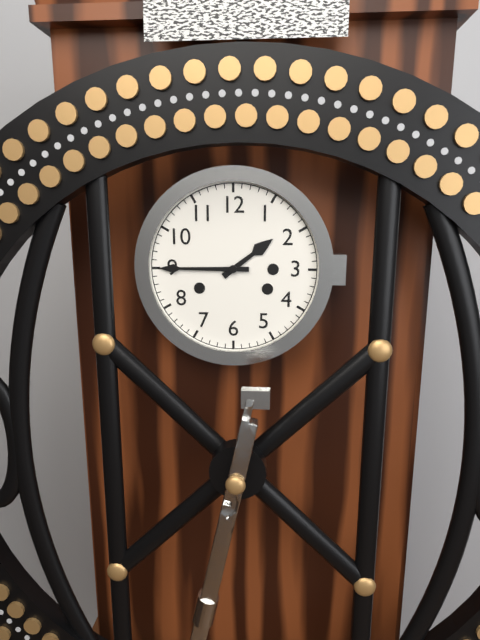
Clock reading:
1.45
